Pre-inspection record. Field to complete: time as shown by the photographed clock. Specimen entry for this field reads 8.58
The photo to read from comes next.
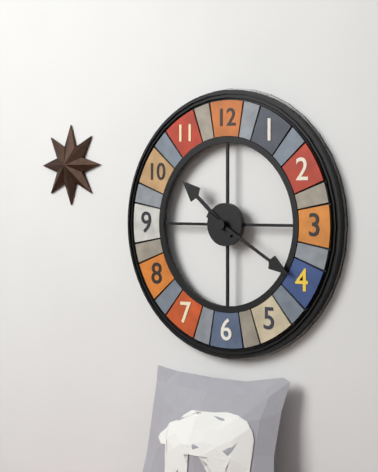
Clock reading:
10.20
